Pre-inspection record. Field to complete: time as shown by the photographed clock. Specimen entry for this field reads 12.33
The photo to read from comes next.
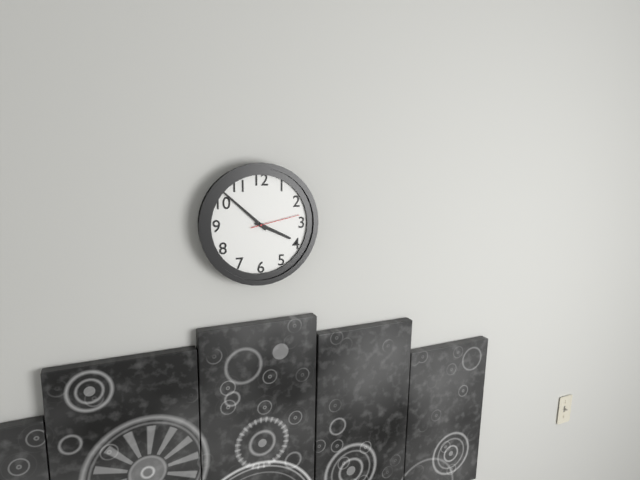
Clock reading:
3.52
